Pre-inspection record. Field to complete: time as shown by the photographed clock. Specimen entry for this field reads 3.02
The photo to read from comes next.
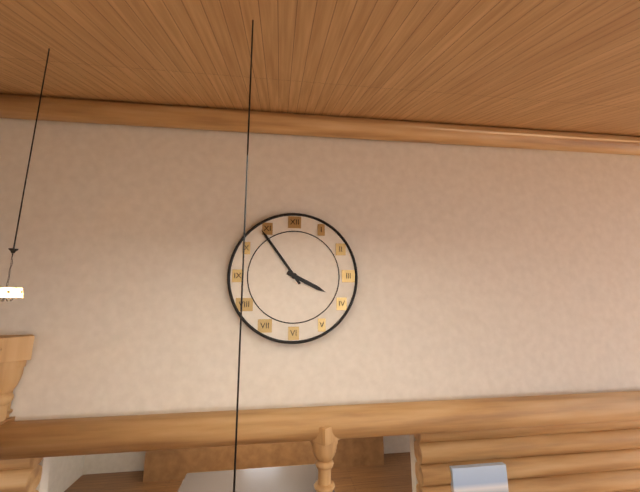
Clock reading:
3.54
